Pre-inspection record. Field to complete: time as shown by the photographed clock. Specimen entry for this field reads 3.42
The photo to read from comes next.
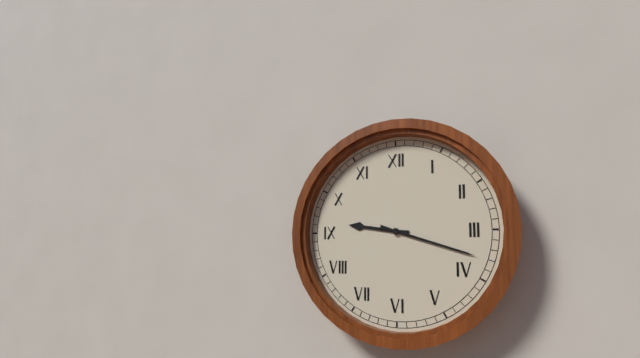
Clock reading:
9.18
